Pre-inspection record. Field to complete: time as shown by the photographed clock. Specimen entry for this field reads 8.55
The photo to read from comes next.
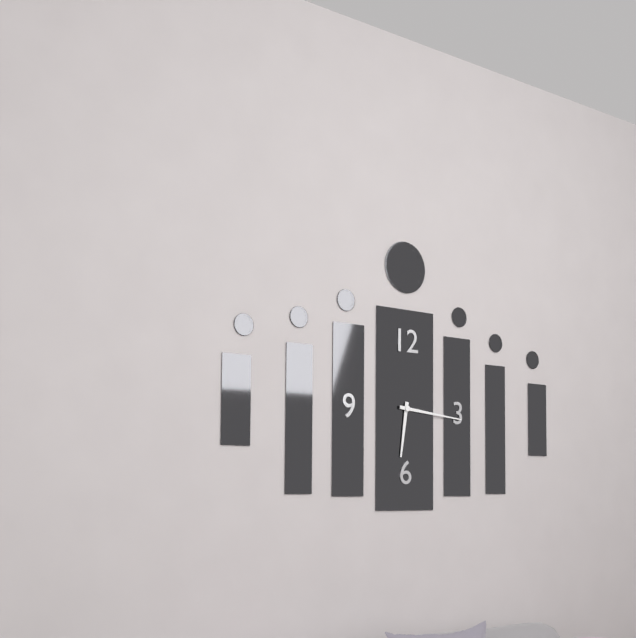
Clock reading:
6.16
